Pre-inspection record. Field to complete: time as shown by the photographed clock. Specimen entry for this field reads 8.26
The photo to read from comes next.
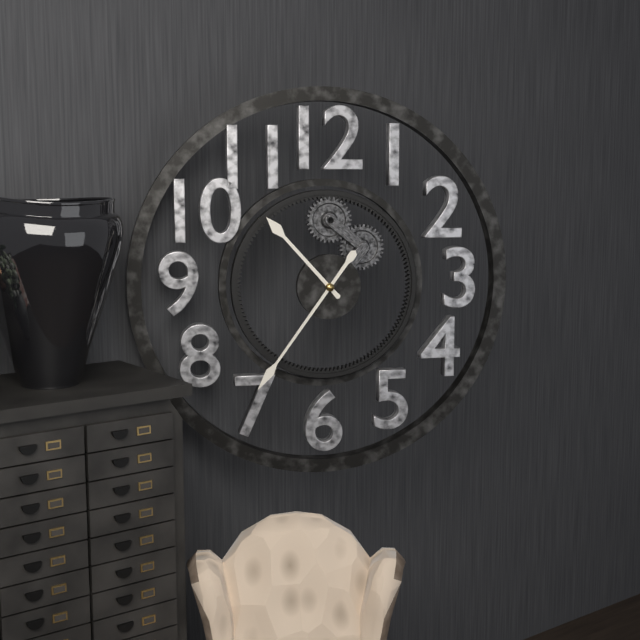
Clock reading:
10.36
